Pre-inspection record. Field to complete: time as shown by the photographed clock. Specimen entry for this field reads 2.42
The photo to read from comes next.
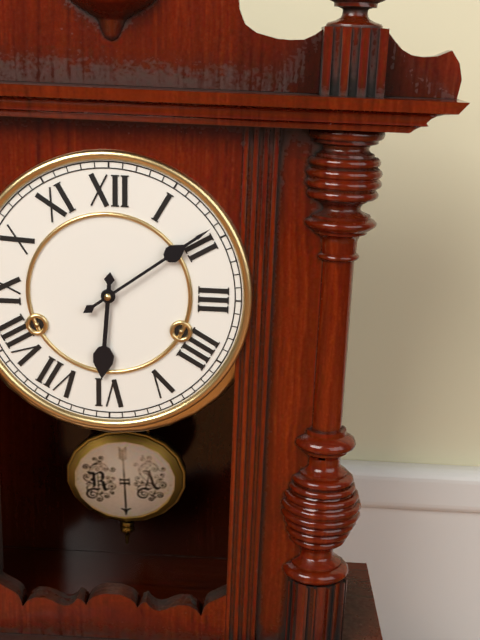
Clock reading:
6.09
